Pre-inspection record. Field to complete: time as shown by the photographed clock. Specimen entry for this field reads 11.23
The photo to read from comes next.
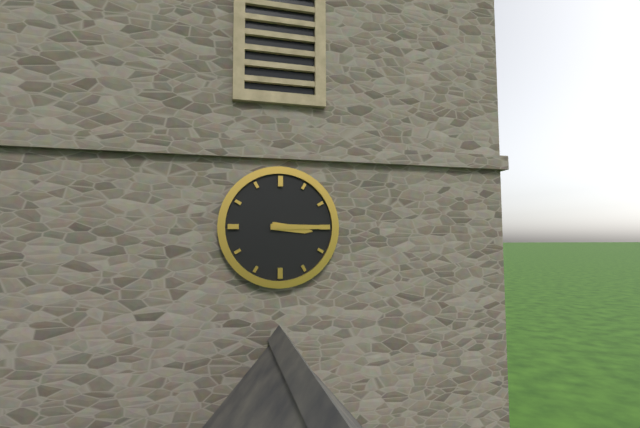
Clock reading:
3.15
